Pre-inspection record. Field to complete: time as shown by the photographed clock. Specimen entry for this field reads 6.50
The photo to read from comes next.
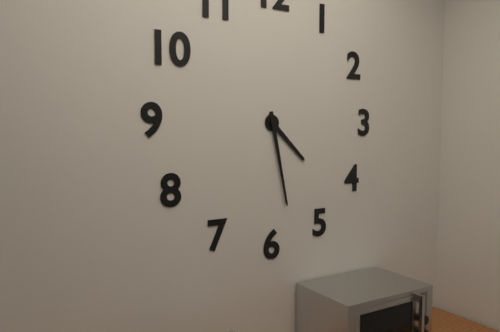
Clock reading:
4.28
